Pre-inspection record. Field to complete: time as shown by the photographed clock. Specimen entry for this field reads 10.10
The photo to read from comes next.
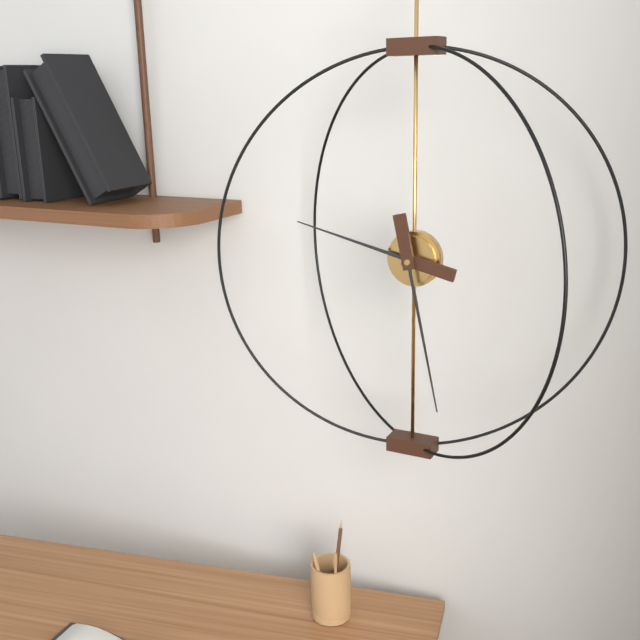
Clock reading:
9.28
